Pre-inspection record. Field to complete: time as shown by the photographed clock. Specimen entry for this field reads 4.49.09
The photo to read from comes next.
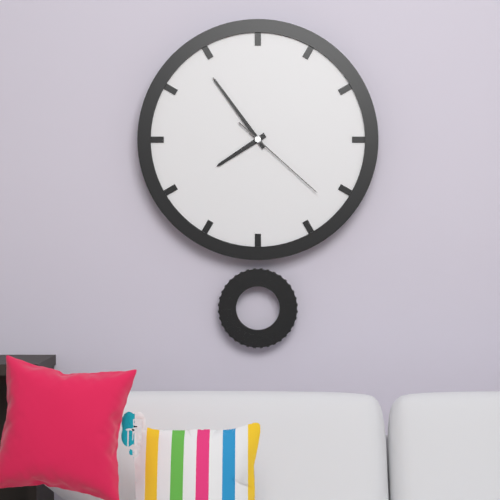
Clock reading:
7.54.22
